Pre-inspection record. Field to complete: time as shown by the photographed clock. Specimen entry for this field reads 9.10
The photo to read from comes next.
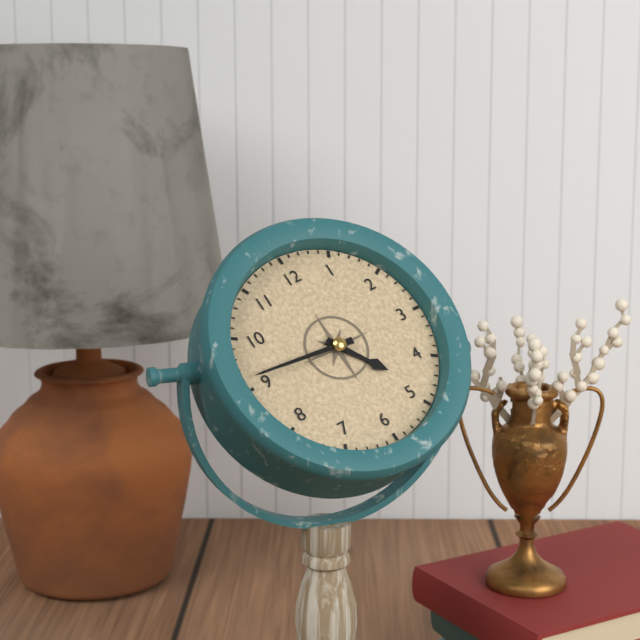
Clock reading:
4.46
